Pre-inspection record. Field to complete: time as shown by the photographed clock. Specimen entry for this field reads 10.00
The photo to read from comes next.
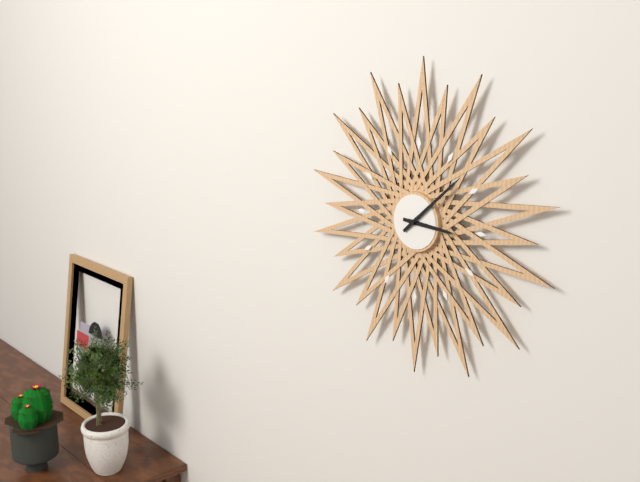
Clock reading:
3.08
